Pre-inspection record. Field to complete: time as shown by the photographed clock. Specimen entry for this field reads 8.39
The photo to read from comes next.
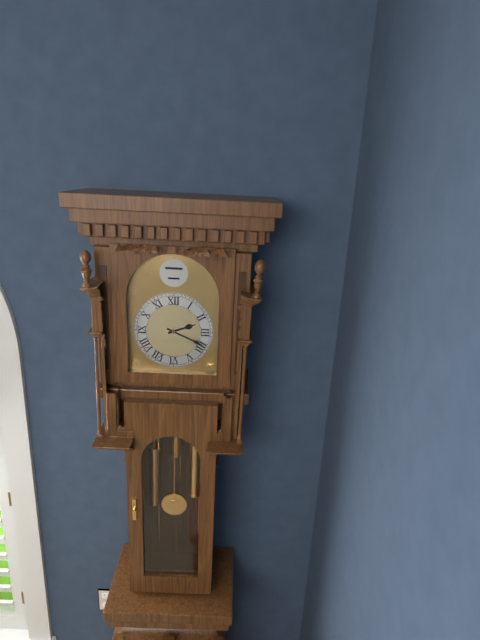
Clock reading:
2.19
